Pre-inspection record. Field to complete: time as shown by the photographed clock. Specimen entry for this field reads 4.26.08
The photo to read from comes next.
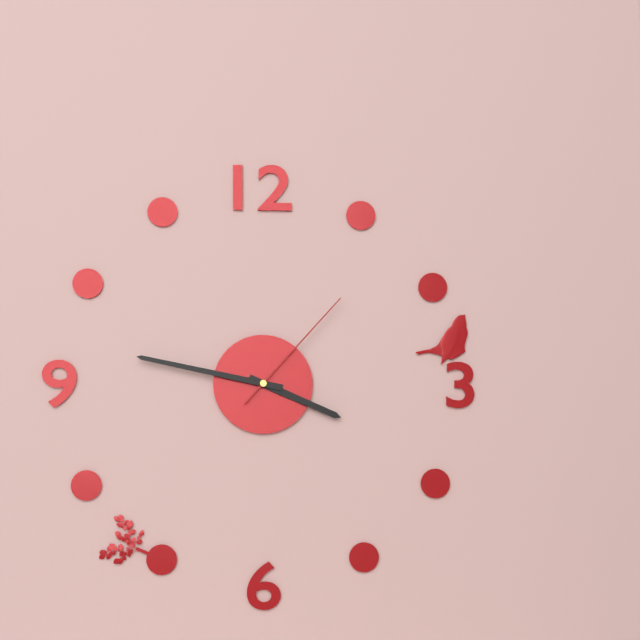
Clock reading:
3.47.07
